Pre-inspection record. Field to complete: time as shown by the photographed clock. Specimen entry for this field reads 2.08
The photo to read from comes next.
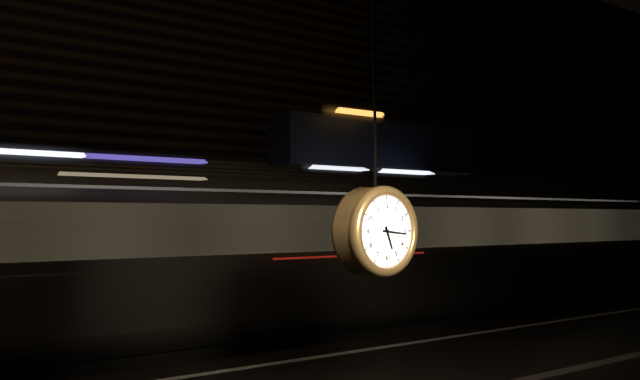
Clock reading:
5.16
